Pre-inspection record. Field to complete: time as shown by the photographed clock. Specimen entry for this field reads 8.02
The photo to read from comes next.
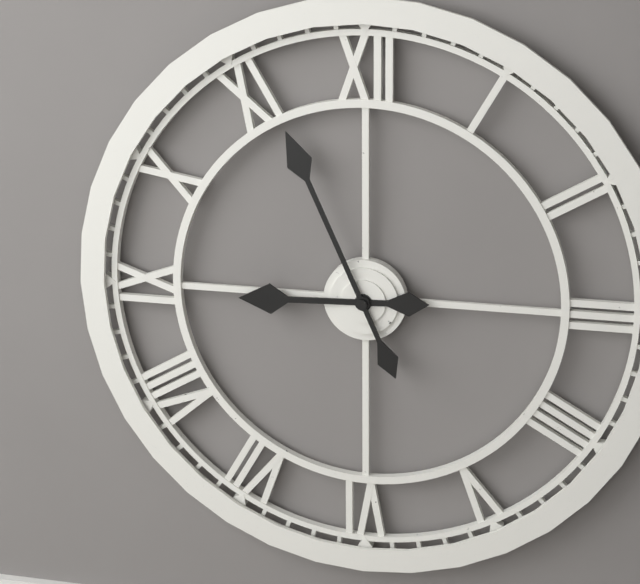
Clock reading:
8.56
